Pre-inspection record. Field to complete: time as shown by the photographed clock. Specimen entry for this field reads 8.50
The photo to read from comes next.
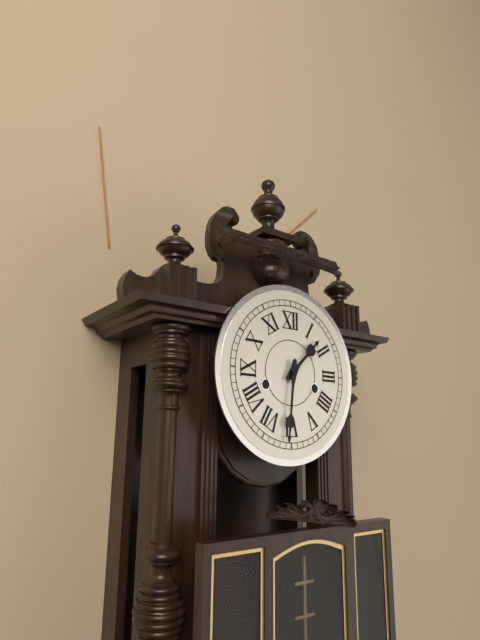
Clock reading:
1.31
